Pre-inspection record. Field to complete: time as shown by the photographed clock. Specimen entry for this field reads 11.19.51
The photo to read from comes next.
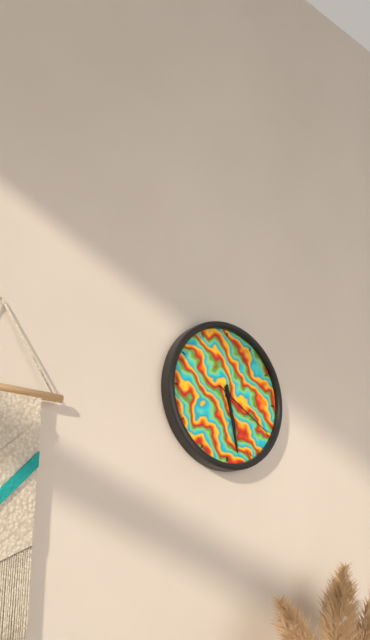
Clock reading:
5.28.20
